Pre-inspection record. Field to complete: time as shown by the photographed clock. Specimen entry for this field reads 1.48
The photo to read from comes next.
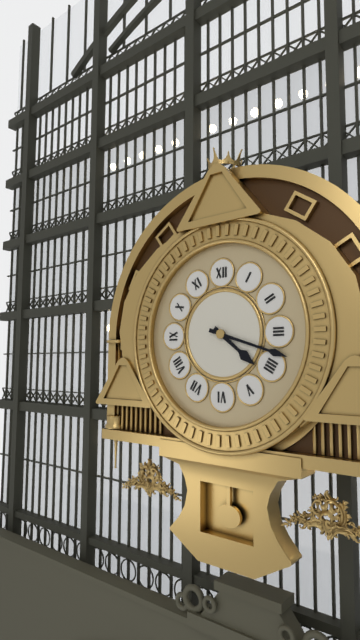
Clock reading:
4.18
